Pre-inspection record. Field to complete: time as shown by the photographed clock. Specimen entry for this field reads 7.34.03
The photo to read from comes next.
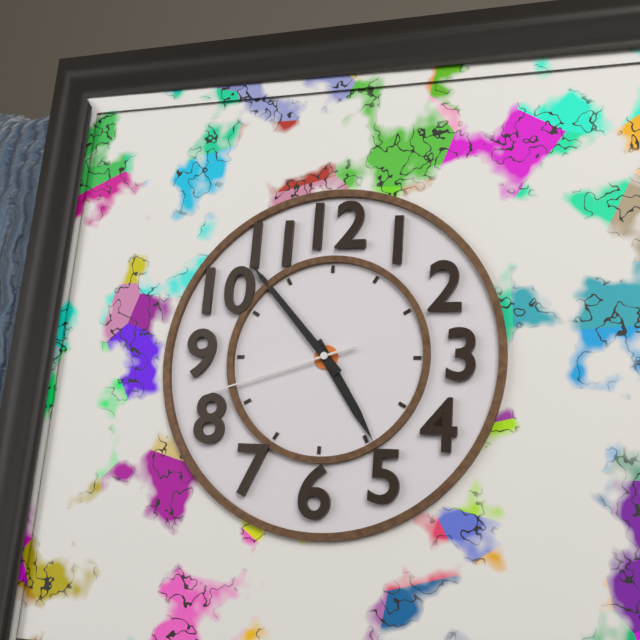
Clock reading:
4.53.42
